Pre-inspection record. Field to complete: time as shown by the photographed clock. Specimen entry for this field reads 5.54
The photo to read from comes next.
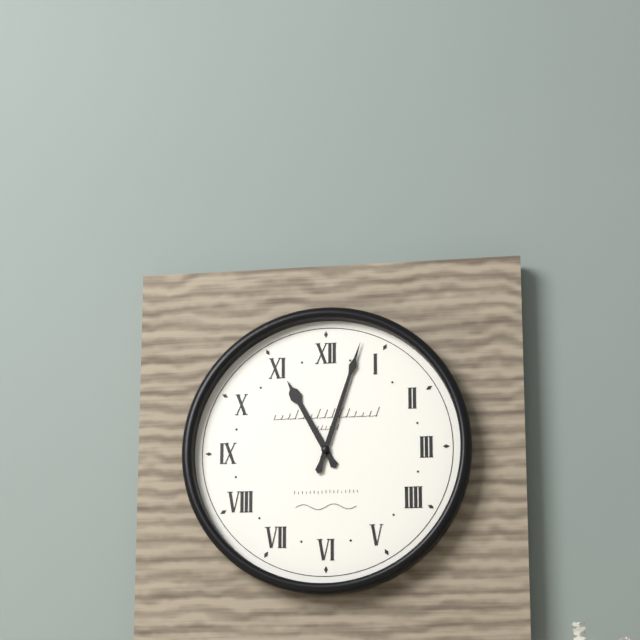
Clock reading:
11.03
